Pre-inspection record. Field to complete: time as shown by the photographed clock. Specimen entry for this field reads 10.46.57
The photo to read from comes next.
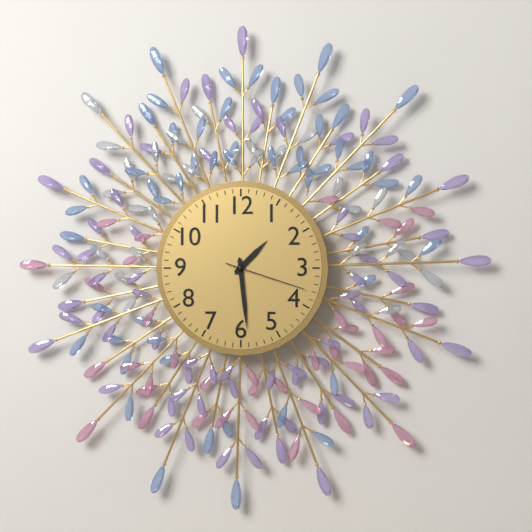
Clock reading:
1.29.18
